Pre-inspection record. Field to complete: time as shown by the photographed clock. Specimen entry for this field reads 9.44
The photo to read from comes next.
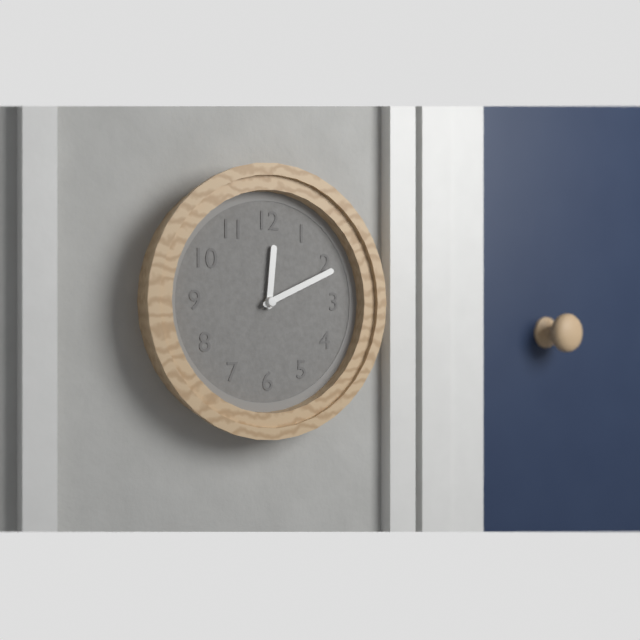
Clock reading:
12.11
